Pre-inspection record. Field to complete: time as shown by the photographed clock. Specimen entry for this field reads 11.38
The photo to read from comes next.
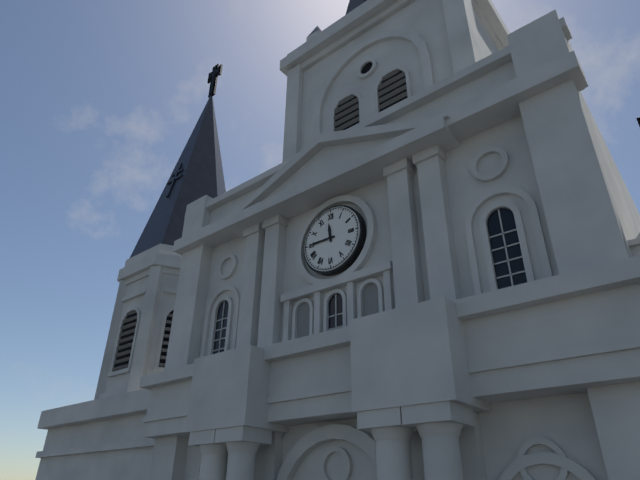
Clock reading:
11.45
